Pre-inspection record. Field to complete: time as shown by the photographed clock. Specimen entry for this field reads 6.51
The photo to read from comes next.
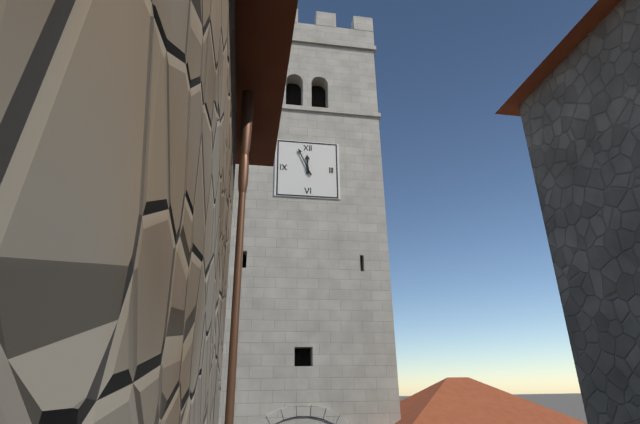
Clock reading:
11.56
